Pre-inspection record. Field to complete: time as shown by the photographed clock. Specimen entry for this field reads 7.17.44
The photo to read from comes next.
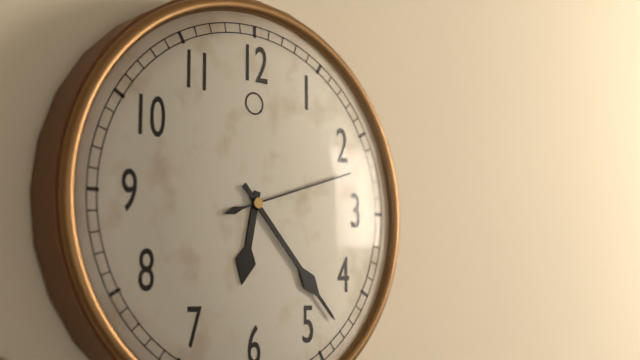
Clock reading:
6.23.12
